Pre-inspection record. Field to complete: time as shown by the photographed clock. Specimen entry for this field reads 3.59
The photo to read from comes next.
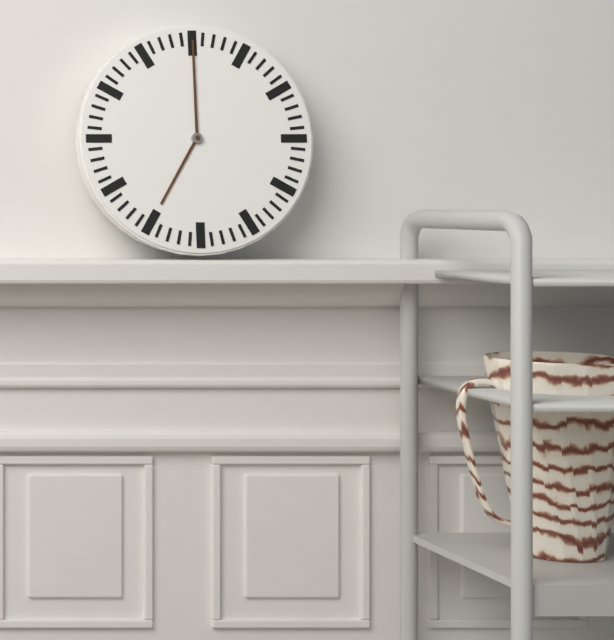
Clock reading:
7.00
